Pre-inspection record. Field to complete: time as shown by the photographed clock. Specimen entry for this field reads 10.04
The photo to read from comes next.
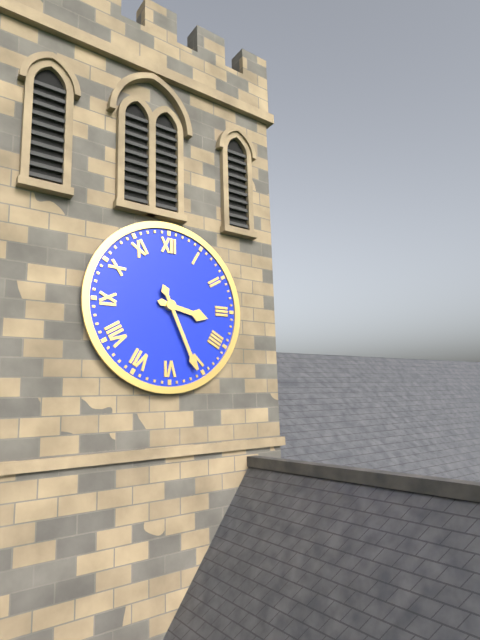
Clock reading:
3.26
